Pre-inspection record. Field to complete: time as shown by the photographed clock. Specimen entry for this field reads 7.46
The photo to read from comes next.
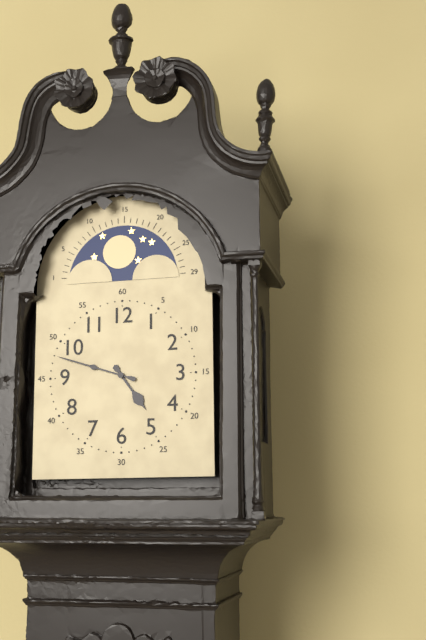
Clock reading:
4.48
